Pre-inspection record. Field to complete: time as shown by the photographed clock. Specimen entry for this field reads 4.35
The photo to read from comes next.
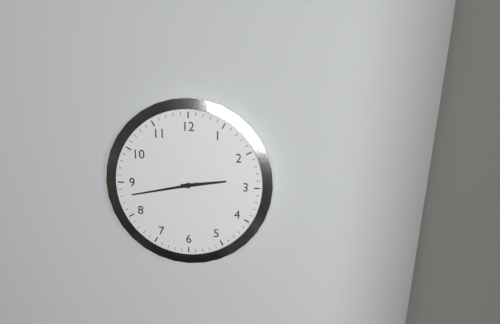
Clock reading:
2.43
